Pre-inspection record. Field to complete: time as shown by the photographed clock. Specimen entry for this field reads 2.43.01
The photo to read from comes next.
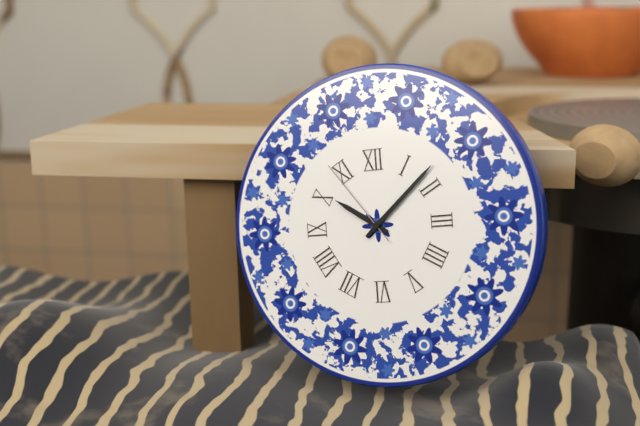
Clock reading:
10.08.54
